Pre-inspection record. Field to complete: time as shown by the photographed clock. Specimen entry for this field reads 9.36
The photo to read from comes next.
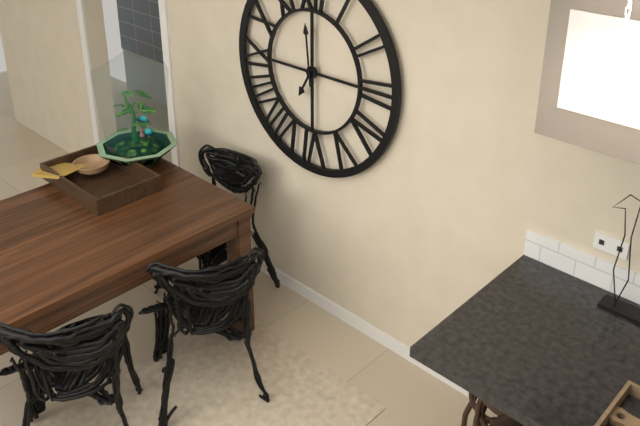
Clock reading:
6.59
